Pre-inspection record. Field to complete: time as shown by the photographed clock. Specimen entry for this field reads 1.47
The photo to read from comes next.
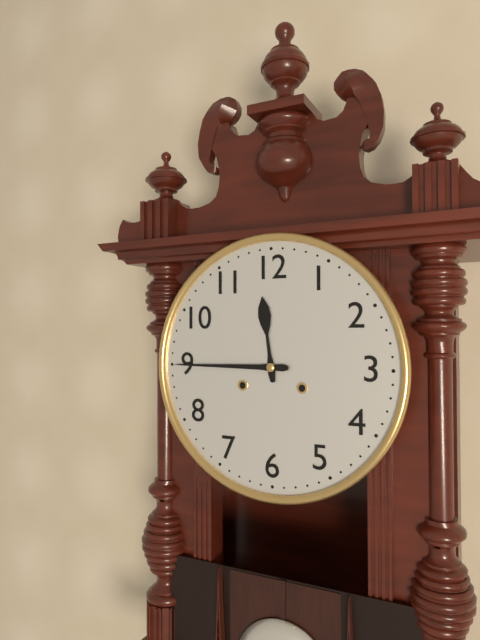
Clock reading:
11.45
